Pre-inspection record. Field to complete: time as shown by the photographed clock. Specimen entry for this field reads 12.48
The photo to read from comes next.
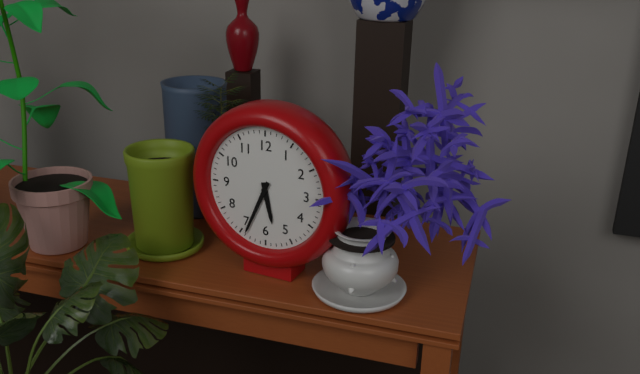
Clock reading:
5.34
